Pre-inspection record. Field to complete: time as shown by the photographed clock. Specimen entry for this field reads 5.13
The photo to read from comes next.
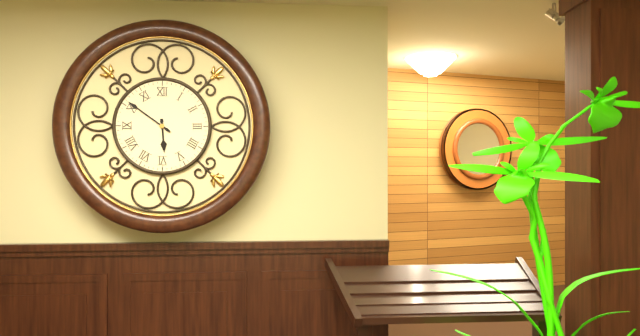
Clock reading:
5.51
